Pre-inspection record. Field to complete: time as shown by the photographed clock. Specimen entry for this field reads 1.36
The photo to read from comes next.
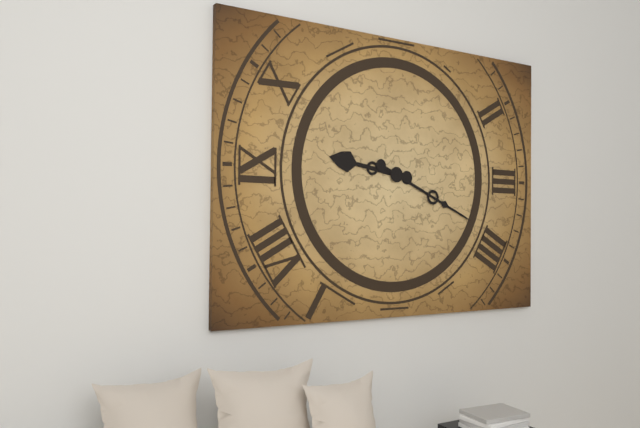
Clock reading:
9.19
